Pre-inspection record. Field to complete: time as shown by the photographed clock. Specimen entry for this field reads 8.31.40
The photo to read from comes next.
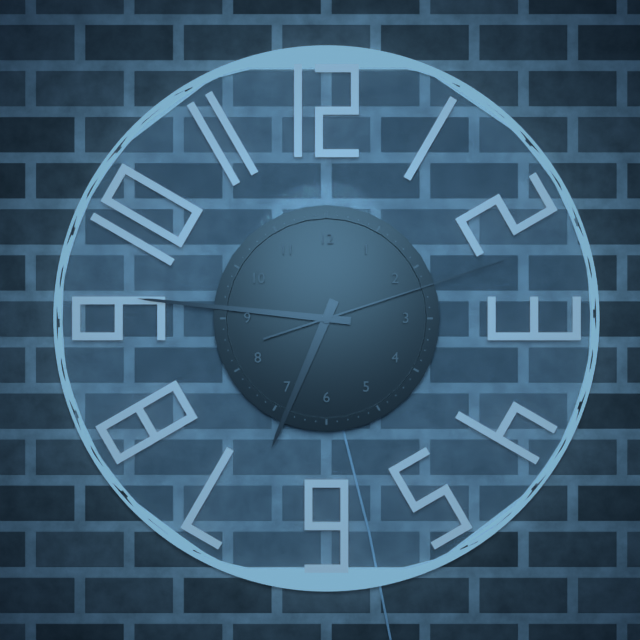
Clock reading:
6.46.12
